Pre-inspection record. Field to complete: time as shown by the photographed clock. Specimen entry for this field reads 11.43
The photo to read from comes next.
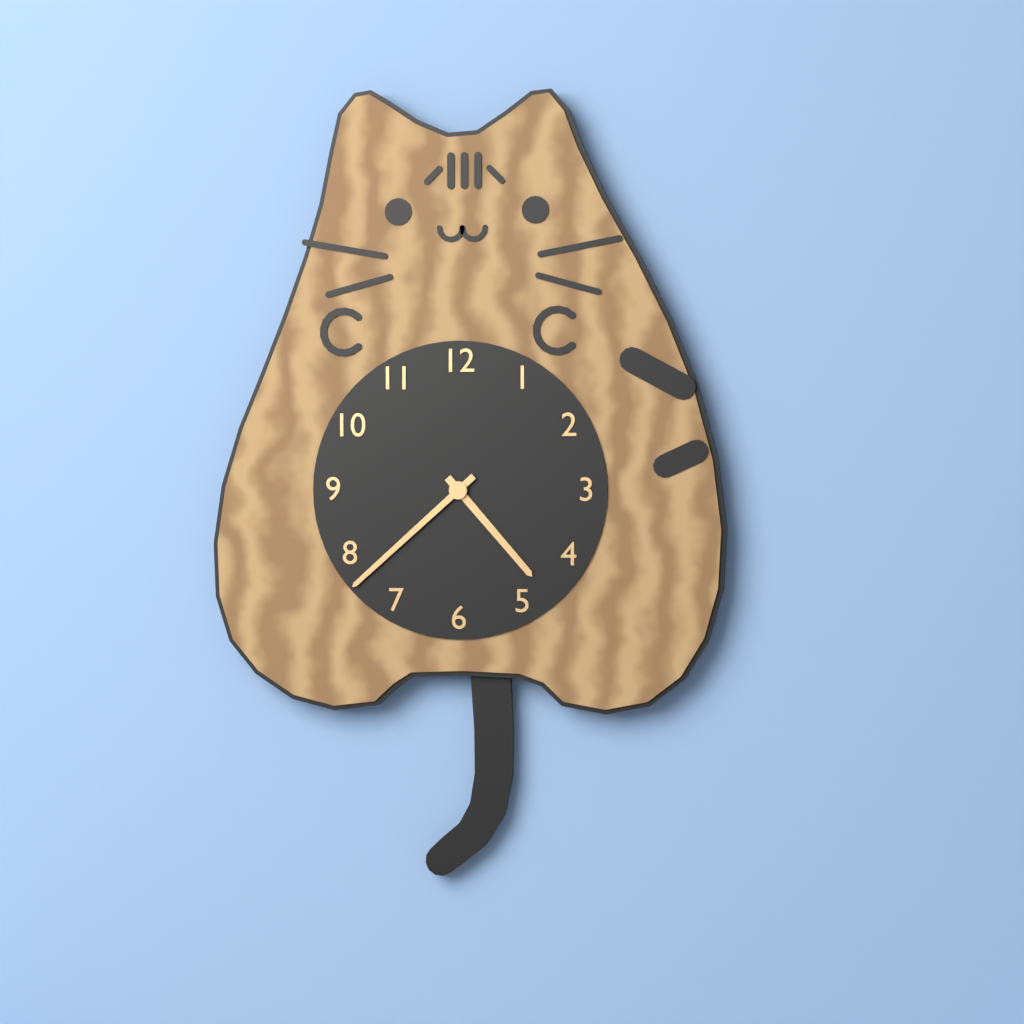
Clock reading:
4.38
